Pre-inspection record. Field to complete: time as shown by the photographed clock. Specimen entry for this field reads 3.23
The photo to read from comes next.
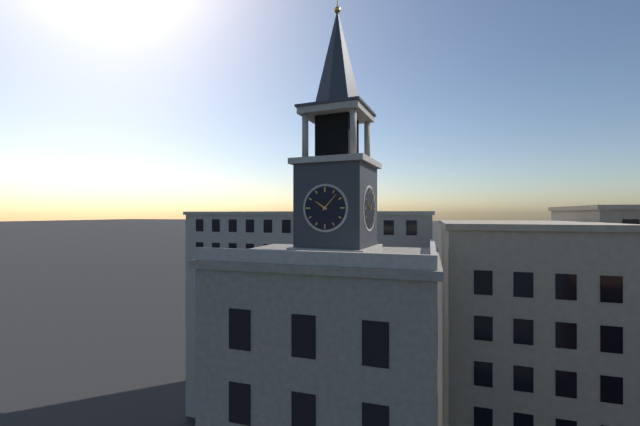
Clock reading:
10.07
